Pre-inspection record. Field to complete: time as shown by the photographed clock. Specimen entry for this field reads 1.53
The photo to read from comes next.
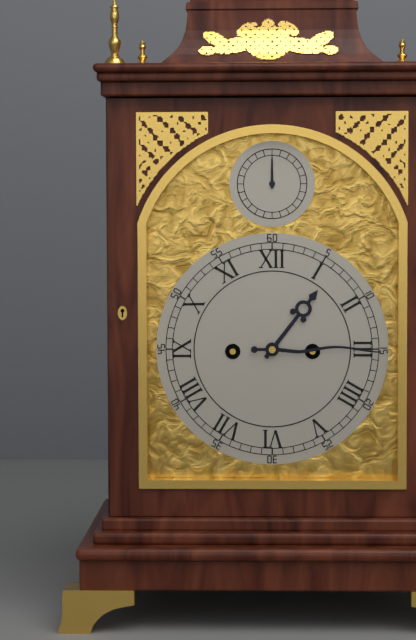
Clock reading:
1.15
